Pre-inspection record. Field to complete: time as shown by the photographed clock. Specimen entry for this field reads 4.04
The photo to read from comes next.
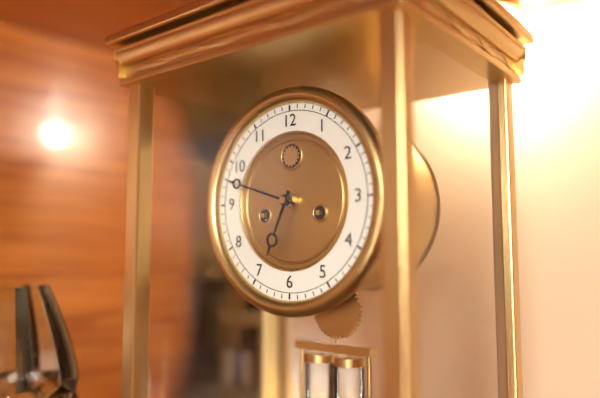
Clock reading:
6.48
